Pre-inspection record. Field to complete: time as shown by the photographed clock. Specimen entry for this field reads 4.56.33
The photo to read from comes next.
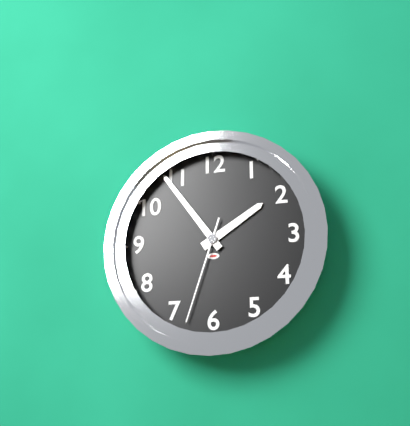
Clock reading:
1.54.33
